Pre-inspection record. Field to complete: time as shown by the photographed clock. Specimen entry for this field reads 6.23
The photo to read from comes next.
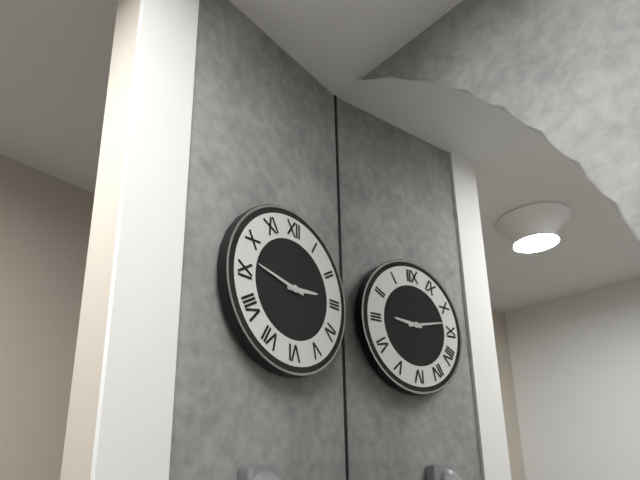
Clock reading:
2.47
